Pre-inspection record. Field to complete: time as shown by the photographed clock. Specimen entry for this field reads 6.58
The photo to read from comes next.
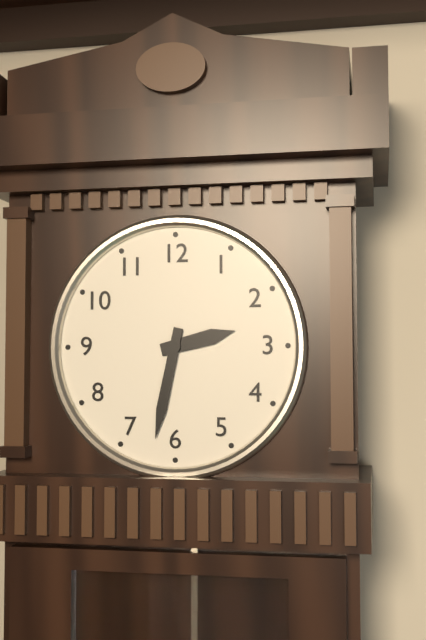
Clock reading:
2.32
